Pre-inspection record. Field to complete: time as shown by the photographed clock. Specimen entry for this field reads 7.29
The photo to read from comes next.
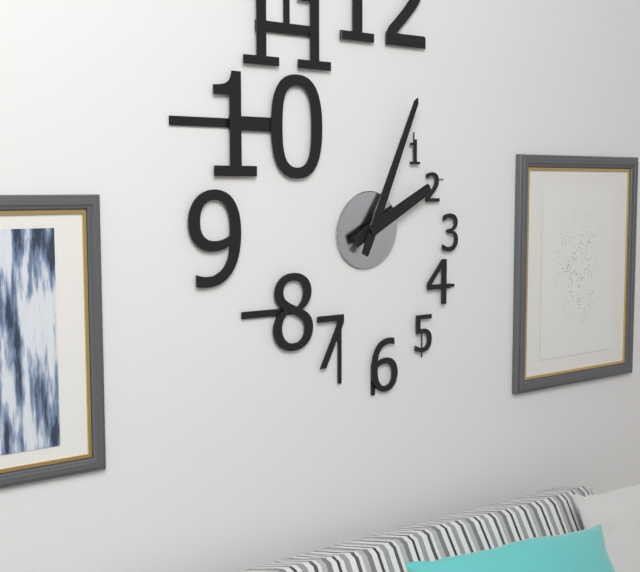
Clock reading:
2.04
